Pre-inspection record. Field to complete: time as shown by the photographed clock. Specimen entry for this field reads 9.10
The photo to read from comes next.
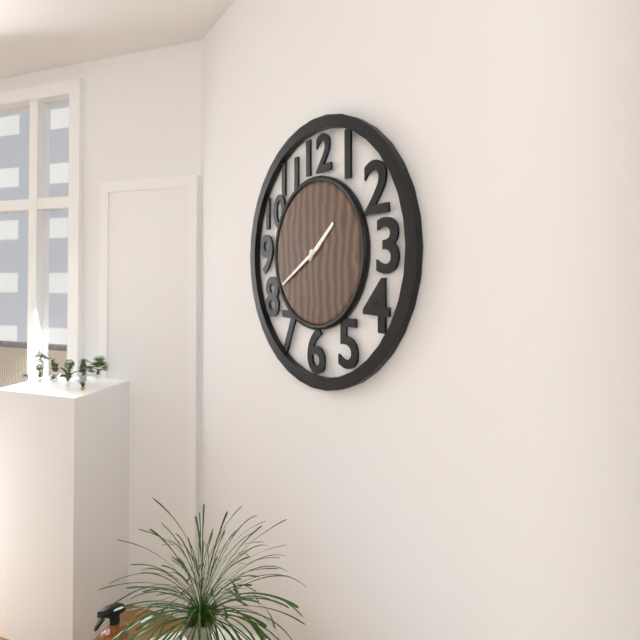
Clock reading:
1.40
